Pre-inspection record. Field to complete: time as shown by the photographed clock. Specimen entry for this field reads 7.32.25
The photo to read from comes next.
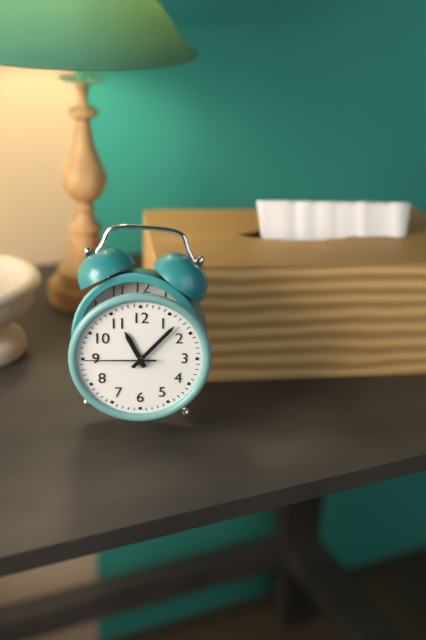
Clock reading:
11.07.45
